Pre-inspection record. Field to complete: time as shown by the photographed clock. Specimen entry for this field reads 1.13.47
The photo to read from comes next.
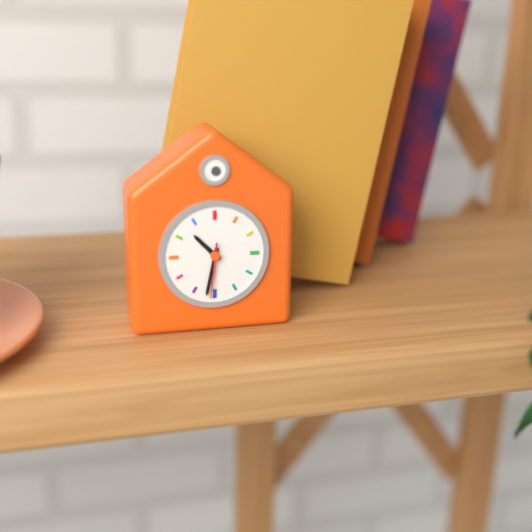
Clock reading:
10.32.31
